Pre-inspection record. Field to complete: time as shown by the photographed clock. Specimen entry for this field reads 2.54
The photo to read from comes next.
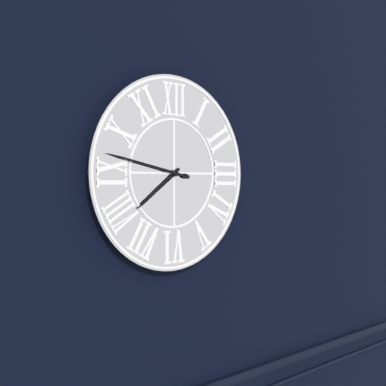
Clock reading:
7.47
